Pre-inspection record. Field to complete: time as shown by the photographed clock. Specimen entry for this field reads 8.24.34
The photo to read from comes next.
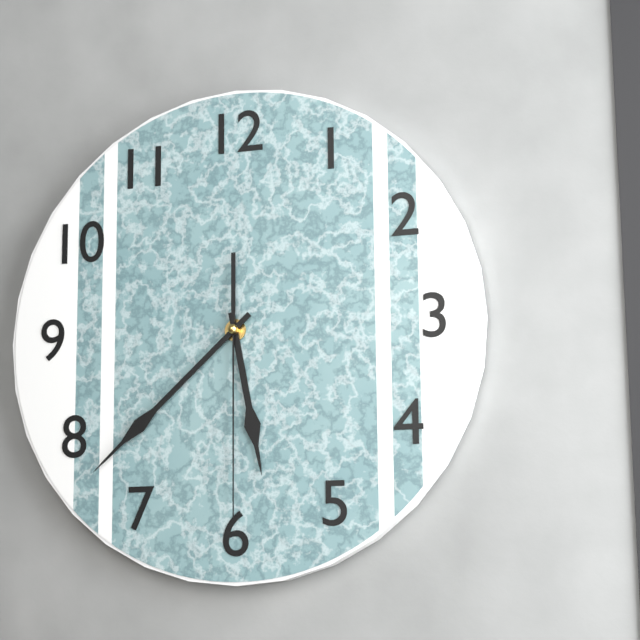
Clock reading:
5.38.30
